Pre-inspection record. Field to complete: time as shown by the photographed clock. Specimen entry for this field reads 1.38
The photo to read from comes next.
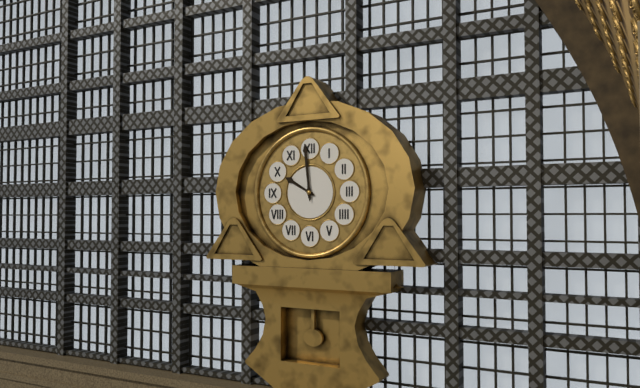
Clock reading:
9.59
